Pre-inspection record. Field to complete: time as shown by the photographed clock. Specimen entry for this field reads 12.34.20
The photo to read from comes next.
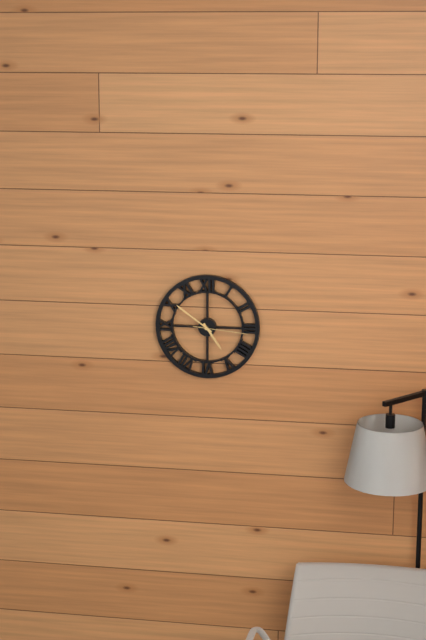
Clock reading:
4.51.16
